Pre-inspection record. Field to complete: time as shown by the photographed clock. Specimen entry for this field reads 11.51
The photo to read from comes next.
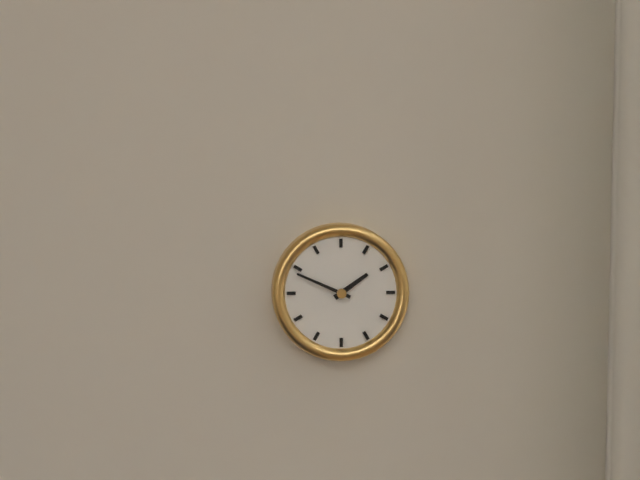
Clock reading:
1.49
